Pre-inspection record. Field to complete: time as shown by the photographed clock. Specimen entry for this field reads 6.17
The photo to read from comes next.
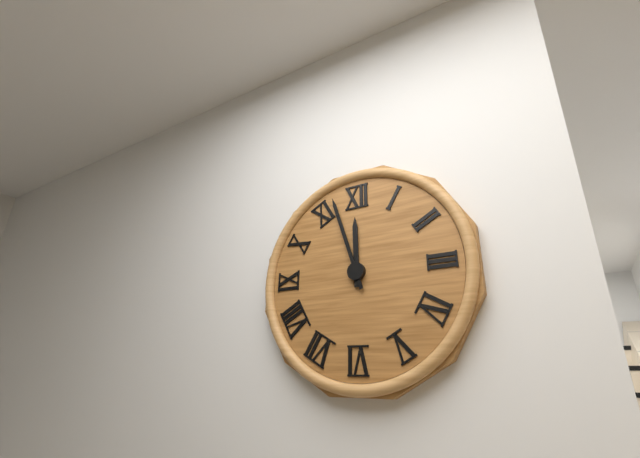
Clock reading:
11.57
